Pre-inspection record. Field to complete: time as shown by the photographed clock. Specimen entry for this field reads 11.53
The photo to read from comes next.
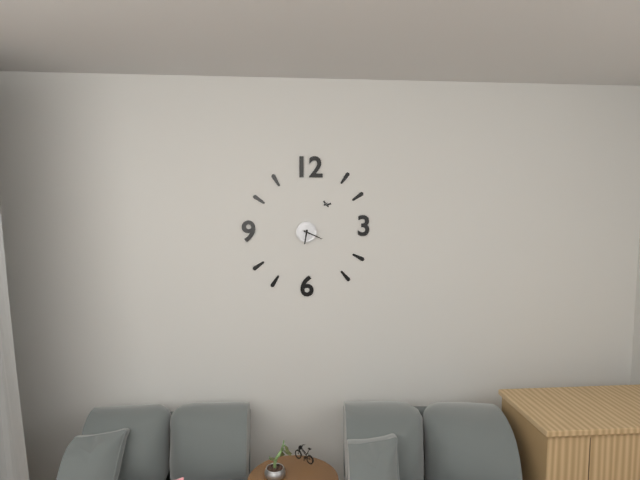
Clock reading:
6.19
